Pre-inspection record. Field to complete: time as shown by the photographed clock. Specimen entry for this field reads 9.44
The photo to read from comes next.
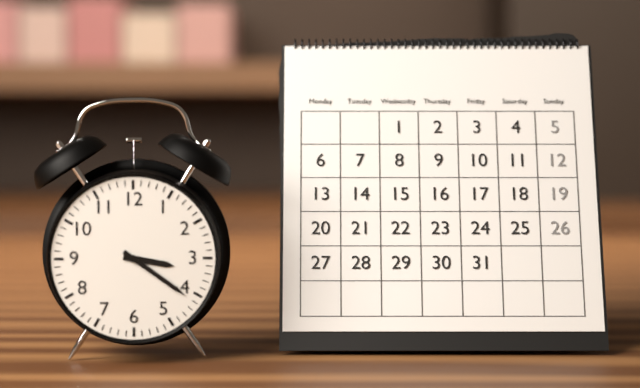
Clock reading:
3.21
